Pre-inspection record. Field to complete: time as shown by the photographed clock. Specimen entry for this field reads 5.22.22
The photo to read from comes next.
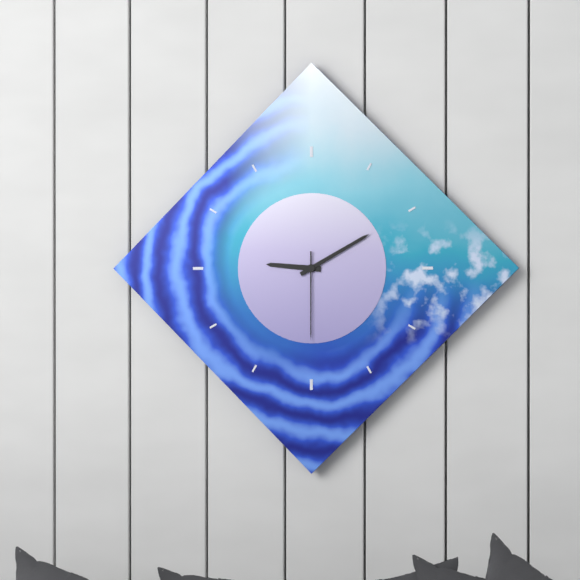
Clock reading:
9.10.30
